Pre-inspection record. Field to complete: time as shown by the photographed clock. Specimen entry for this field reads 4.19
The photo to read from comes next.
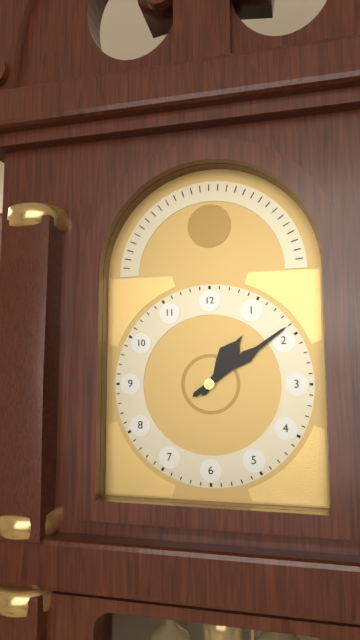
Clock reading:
1.09
